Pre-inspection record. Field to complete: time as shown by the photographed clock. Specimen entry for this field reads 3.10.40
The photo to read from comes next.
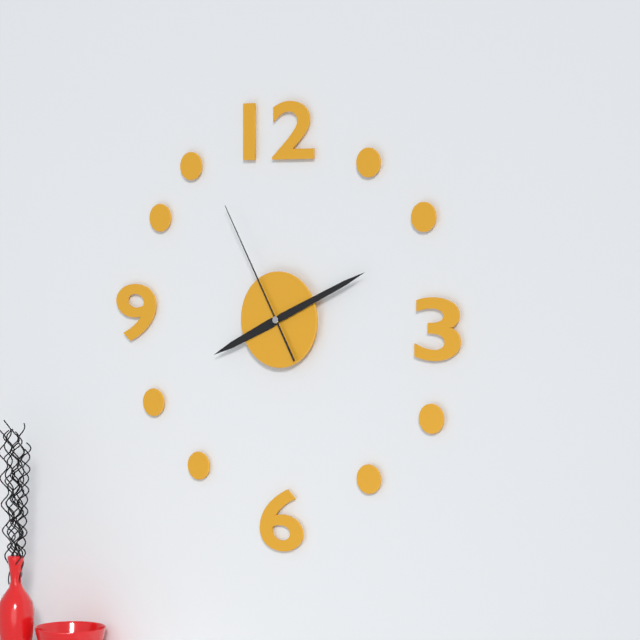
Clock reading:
8.11.55
